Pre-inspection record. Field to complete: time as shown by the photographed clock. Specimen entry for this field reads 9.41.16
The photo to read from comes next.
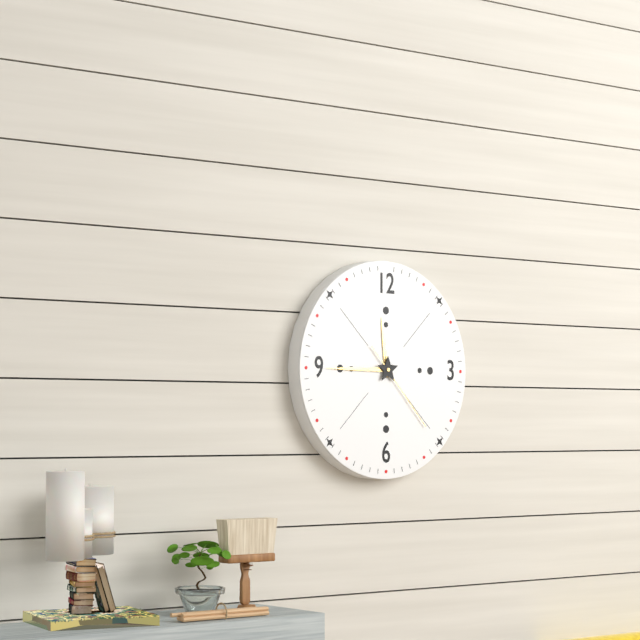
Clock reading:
11.45.23
